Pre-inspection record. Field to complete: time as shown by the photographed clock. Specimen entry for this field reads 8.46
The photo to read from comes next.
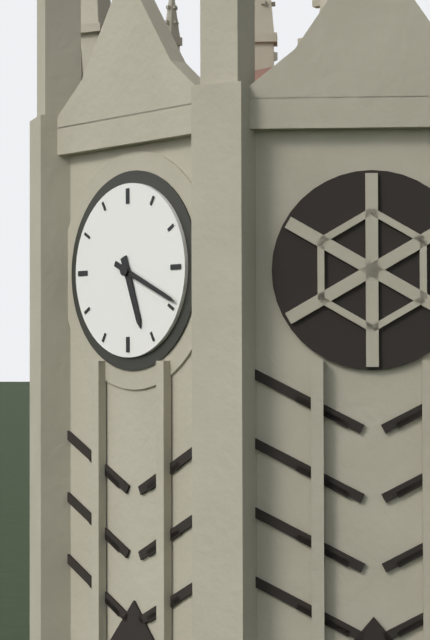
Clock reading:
5.19
